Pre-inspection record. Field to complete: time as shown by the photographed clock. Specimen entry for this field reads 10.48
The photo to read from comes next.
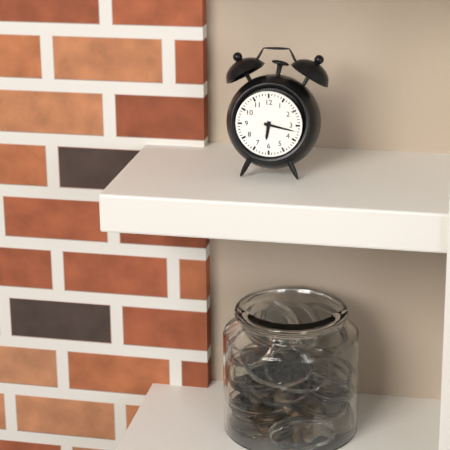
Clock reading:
6.17
